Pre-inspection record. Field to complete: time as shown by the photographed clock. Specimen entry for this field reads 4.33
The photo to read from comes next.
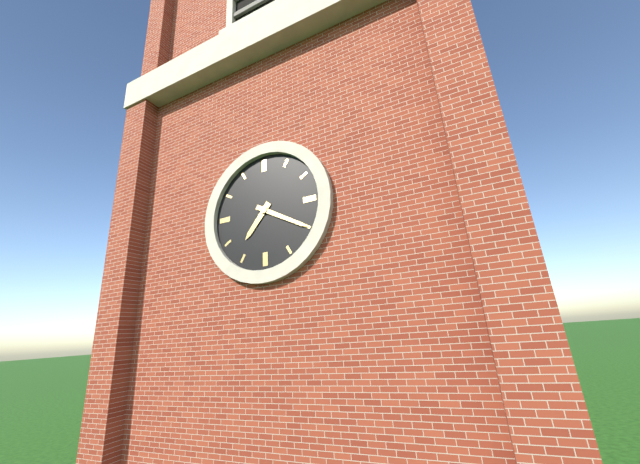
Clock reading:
7.20
